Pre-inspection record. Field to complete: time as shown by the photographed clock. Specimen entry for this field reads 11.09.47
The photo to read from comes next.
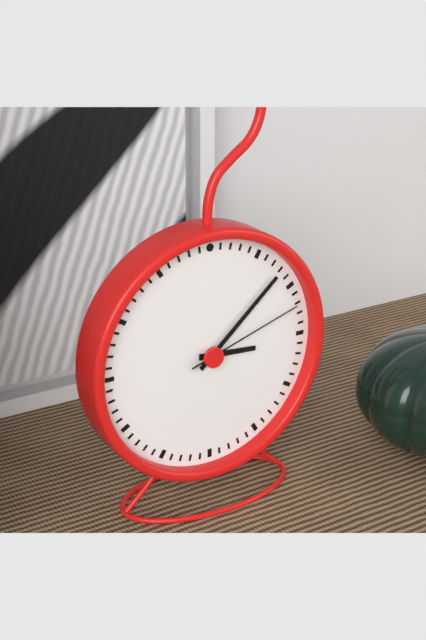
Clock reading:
3.08.12
